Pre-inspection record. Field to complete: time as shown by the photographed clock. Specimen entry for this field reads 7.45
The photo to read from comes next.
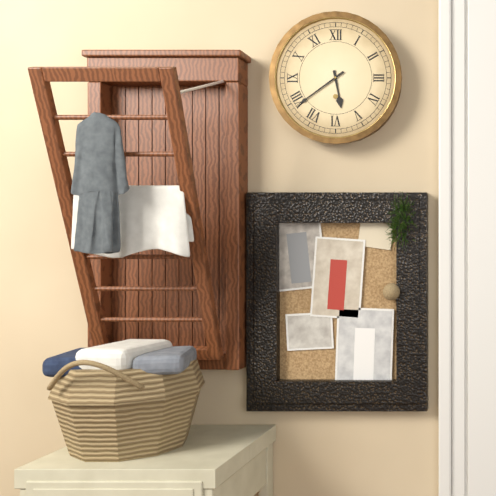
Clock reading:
5.39
